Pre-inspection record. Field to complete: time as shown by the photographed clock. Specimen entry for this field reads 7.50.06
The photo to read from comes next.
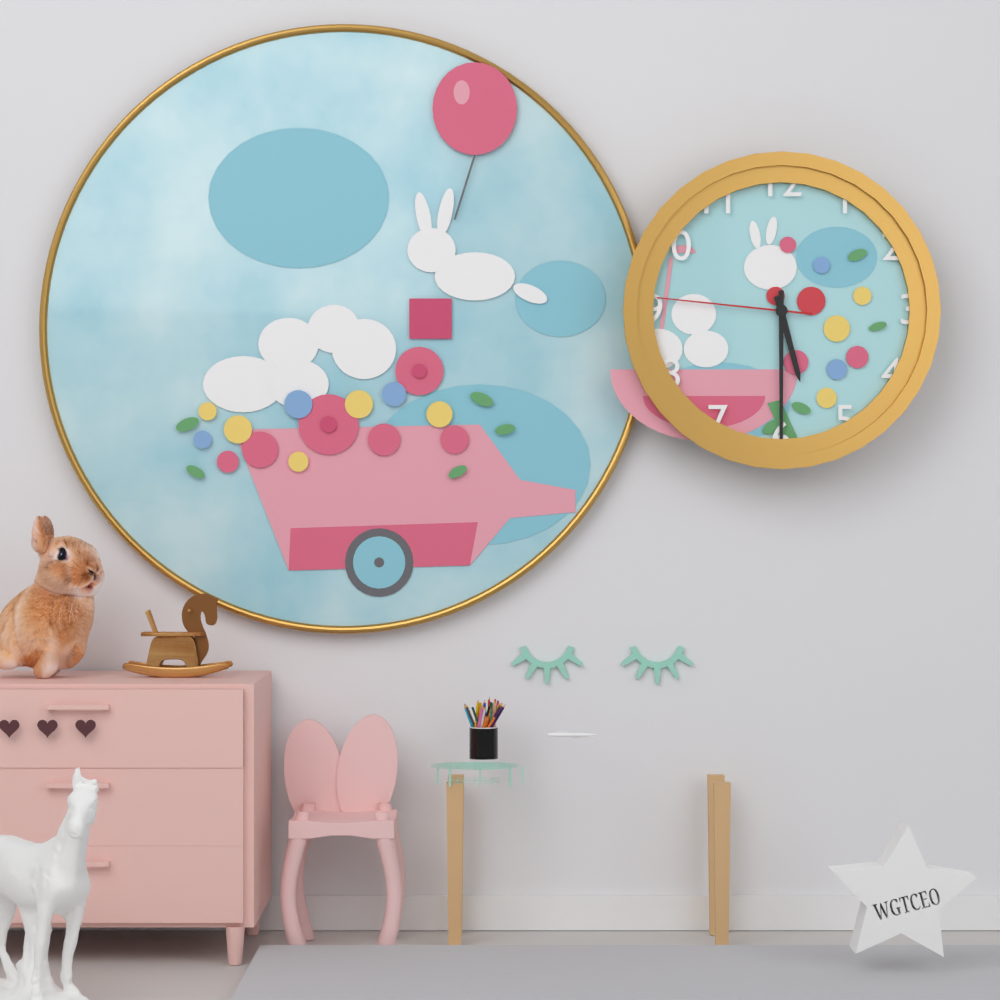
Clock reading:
5.30.46
